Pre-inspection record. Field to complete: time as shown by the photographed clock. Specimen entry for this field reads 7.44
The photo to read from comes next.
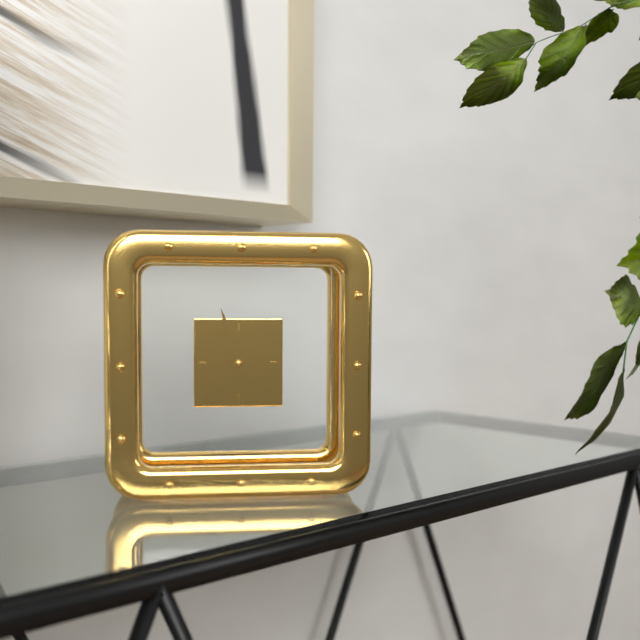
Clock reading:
10.57
